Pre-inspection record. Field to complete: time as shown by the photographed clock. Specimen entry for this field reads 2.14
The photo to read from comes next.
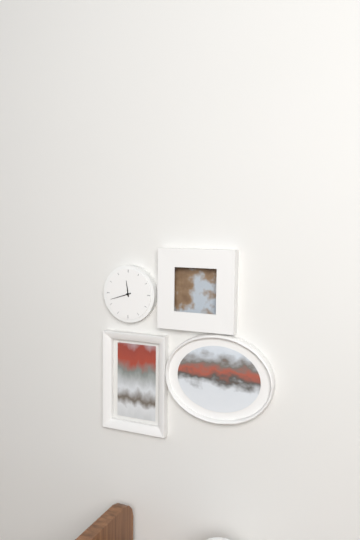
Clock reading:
11.42
